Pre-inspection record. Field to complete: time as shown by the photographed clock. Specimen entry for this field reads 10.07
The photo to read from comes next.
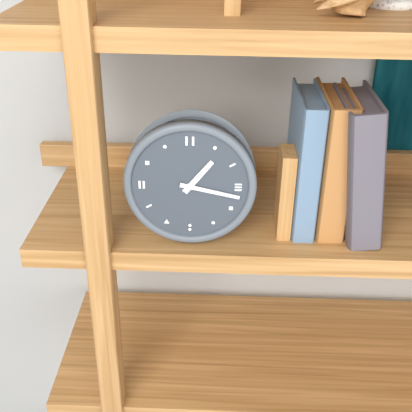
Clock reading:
1.17
